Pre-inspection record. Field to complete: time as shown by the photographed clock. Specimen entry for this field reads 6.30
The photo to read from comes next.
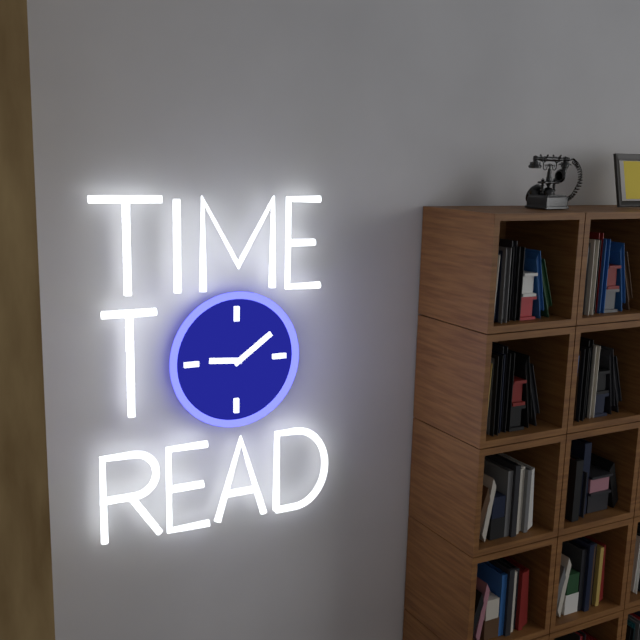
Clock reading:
9.09
